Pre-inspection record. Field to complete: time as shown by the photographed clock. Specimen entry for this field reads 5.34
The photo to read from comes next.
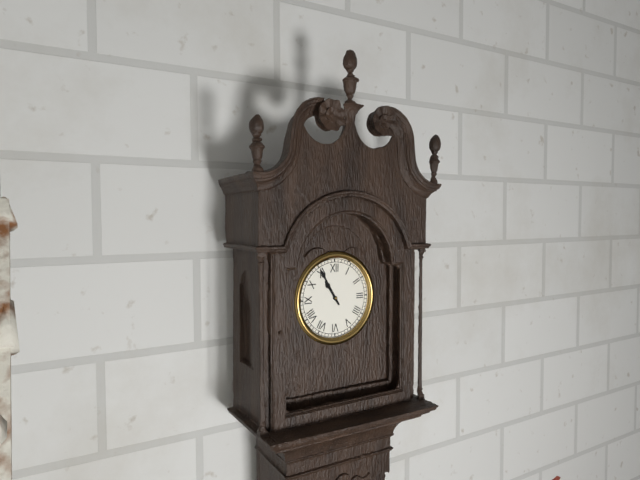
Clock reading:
10.55
